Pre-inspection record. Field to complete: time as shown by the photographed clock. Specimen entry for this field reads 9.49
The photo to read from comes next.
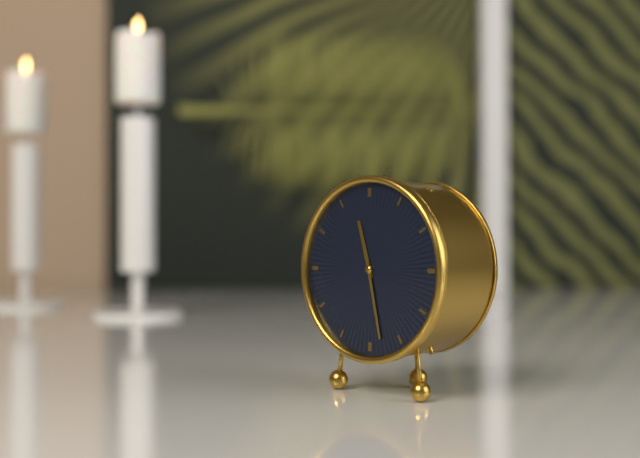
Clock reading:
11.28
